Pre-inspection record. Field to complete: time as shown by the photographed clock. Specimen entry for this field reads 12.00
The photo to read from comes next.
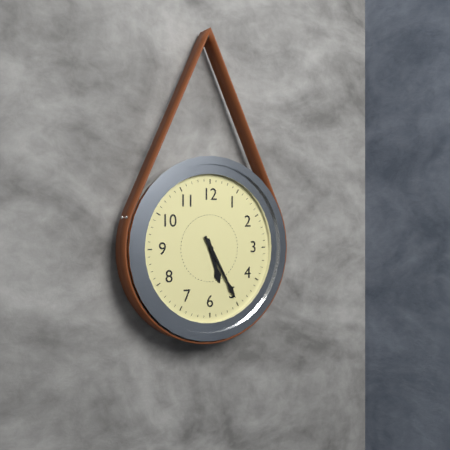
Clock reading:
5.25
